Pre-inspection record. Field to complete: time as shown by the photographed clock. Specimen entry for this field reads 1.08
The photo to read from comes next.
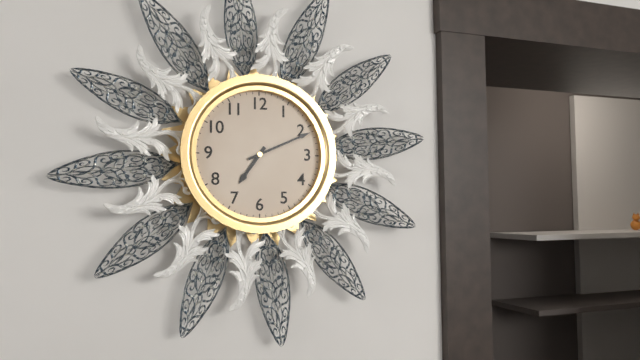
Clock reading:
7.11
